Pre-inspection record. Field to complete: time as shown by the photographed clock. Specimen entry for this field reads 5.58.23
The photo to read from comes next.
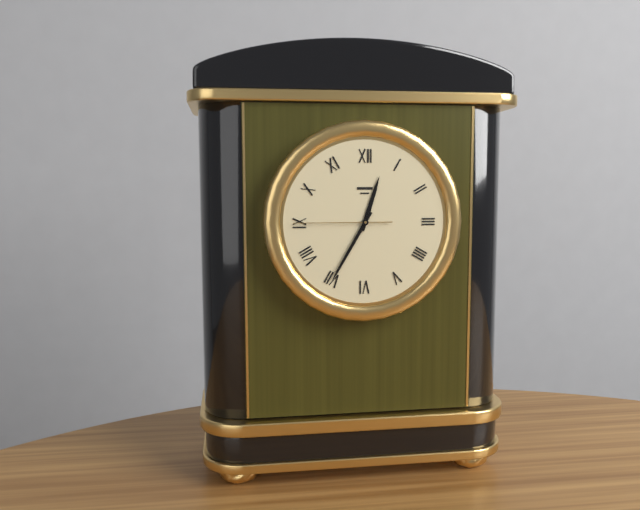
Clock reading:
12.35.45
